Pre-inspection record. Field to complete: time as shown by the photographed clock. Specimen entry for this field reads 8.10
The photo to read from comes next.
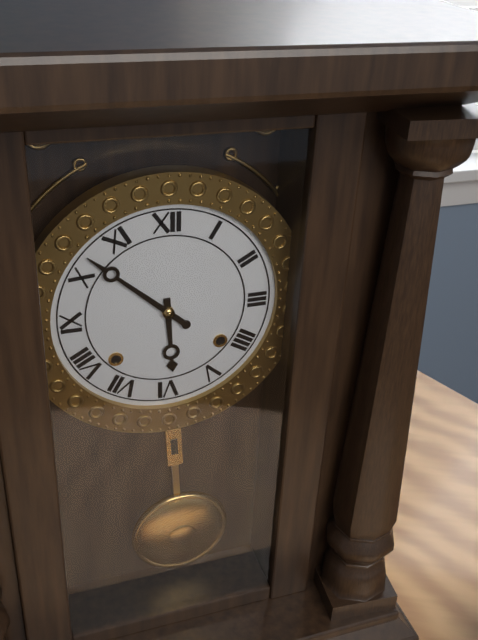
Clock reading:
5.52
